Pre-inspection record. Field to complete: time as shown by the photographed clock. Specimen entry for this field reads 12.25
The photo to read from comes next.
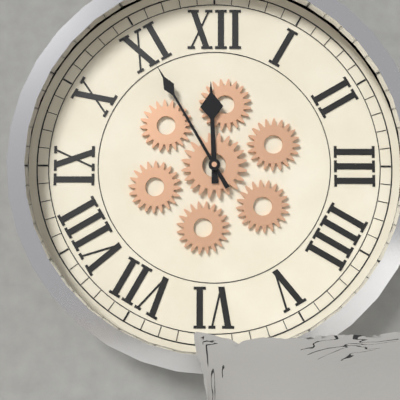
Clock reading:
11.55
